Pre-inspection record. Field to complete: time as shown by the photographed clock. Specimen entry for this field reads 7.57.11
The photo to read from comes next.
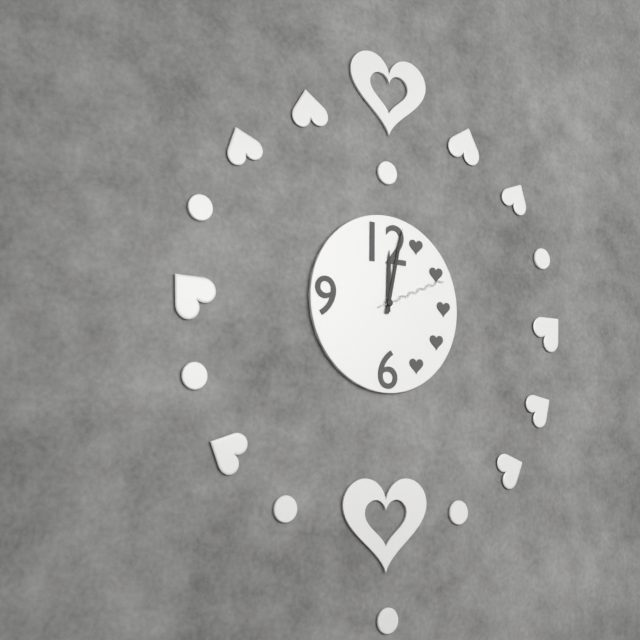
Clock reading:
12.02.11
